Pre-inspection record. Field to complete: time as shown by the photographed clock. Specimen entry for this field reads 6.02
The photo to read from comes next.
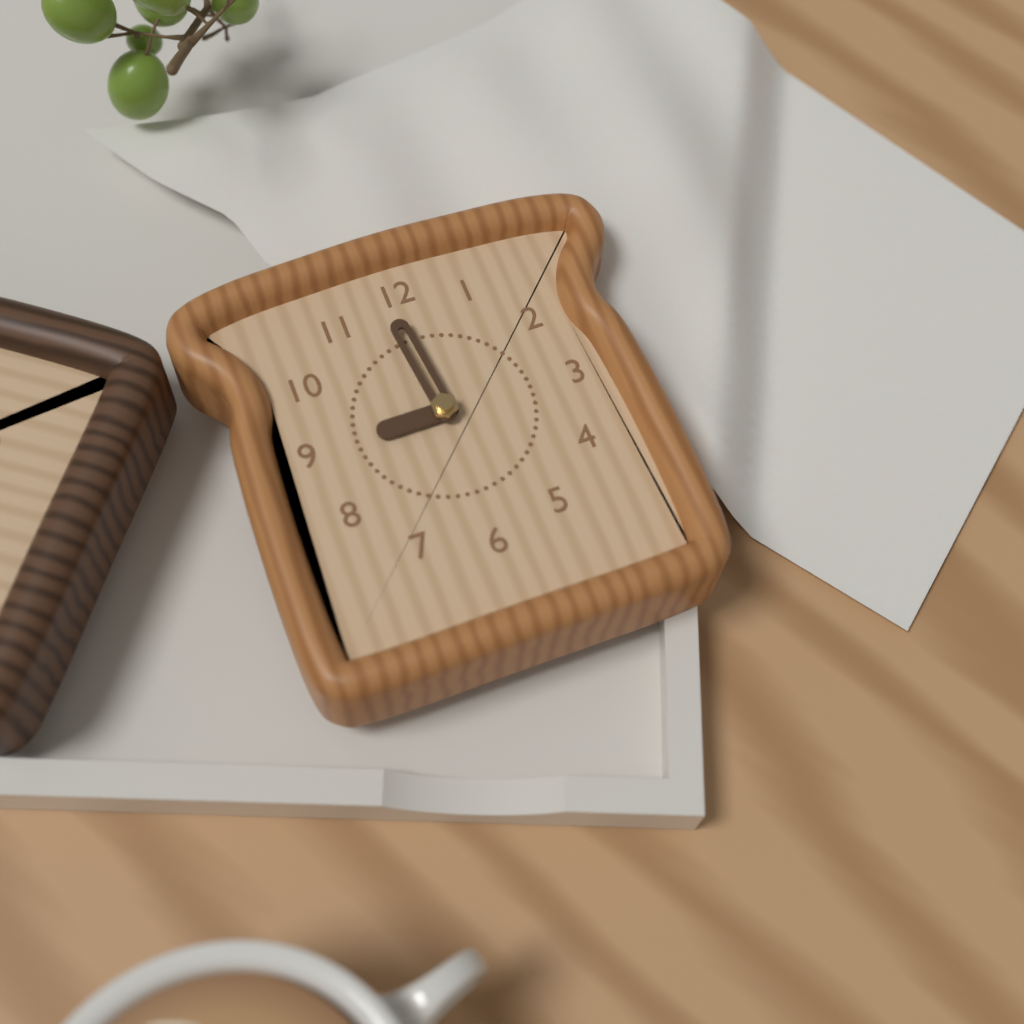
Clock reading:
8.59
